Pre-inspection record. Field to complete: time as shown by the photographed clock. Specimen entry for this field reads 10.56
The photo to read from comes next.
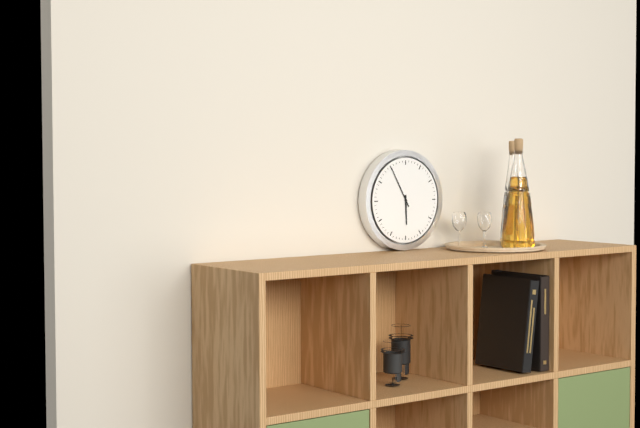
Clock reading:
5.55
